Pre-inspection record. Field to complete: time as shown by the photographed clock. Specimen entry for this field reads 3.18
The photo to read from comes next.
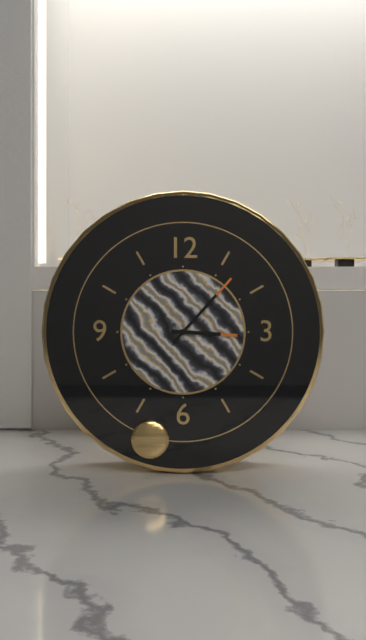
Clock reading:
3.07
